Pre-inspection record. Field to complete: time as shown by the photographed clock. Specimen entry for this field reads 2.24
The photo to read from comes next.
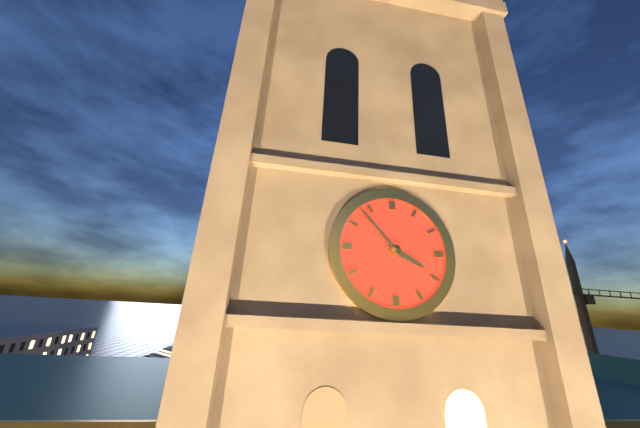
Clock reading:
3.53
